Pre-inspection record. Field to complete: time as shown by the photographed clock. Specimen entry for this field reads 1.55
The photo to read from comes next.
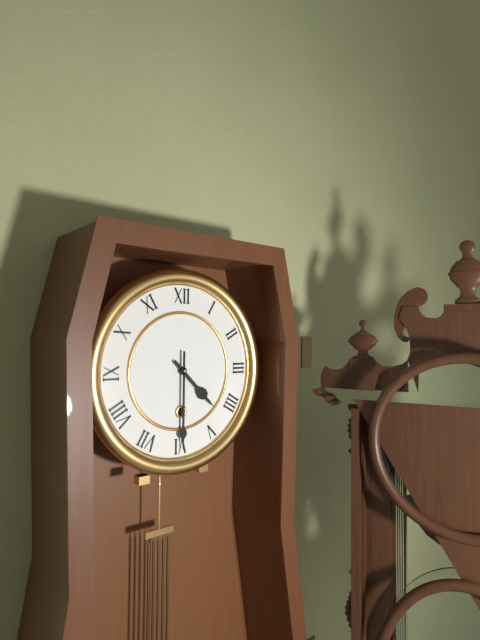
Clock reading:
4.30
